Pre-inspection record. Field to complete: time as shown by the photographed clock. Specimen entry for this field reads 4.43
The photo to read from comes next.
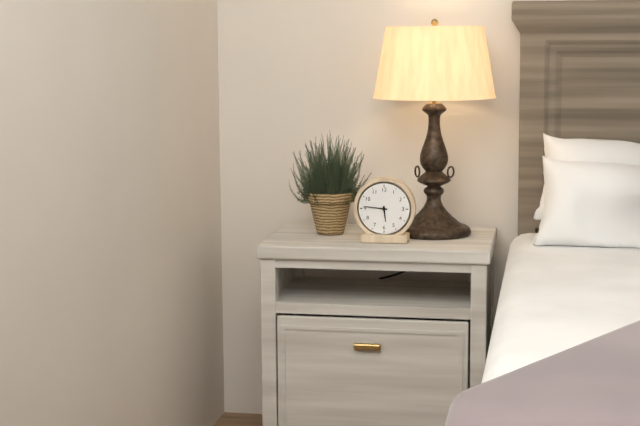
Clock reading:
5.46
